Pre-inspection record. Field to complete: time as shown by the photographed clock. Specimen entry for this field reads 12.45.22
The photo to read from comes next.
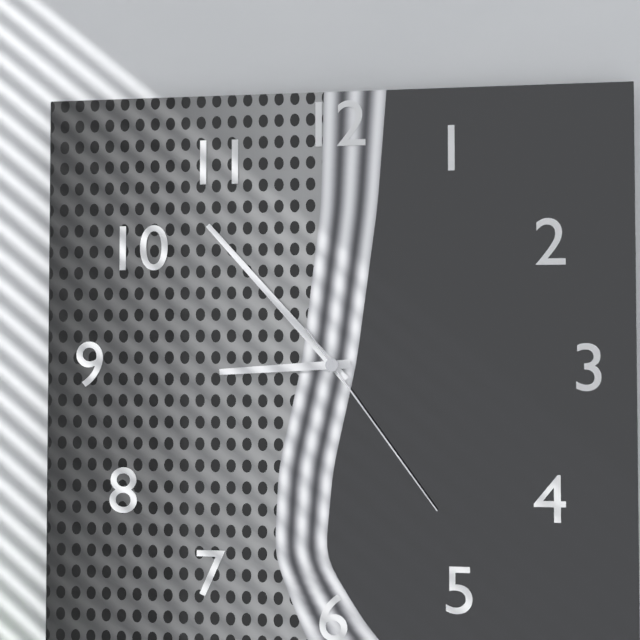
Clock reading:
8.53.24
